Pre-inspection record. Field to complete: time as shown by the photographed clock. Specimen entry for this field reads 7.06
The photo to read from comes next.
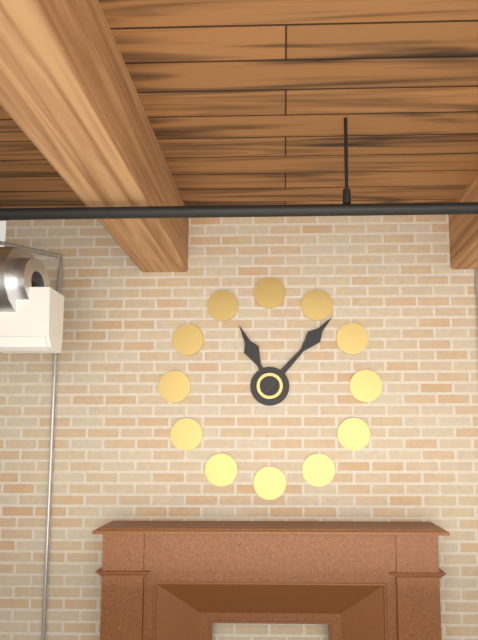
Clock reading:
11.07
